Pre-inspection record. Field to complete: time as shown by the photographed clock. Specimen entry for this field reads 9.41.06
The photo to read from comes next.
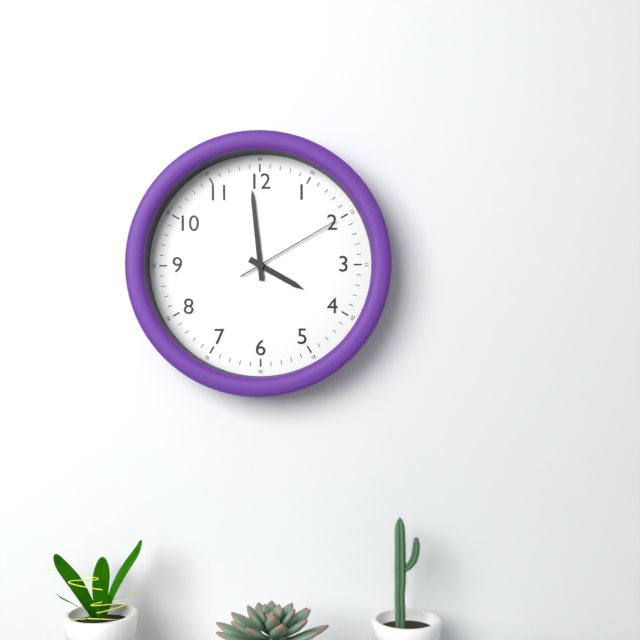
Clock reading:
3.59.10
